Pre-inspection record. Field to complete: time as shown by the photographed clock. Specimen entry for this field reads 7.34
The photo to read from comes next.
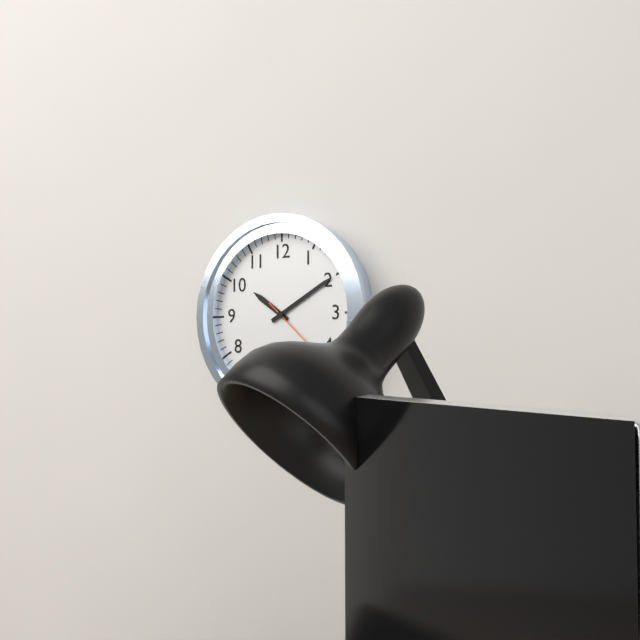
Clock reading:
10.10
